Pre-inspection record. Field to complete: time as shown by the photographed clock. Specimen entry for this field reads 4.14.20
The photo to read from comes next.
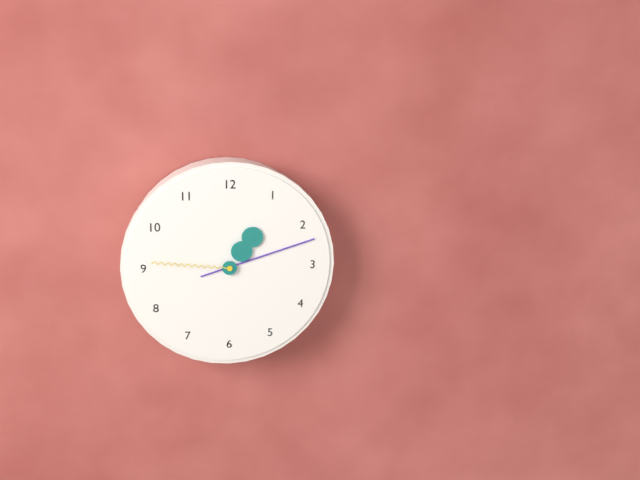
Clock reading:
1.12.46
